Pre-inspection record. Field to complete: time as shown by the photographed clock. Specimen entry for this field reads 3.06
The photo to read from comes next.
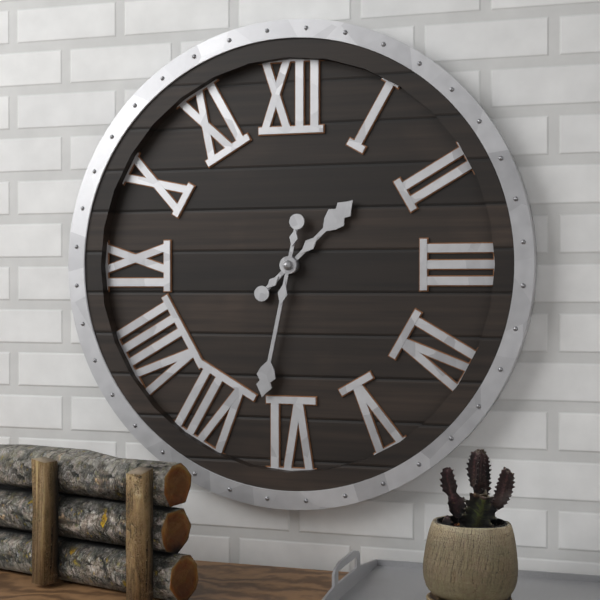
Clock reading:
1.32
